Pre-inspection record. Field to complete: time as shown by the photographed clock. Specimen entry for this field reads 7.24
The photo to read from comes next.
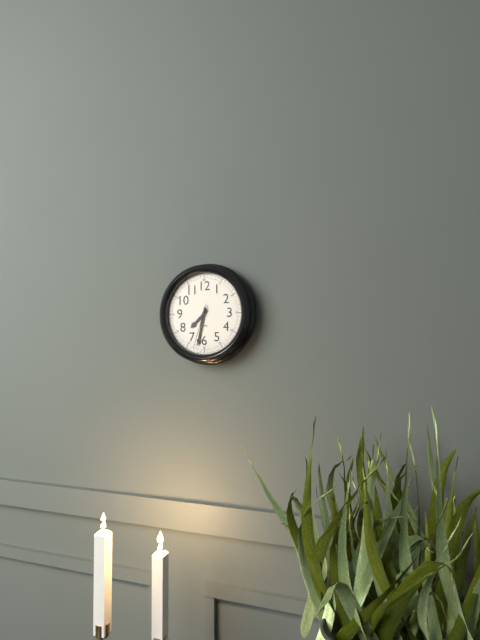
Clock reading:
7.32
